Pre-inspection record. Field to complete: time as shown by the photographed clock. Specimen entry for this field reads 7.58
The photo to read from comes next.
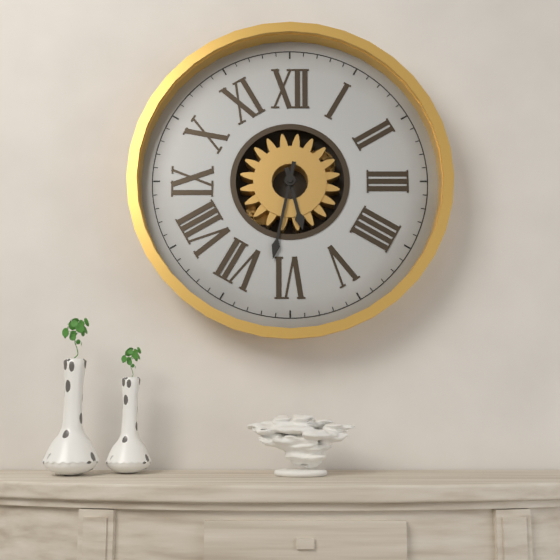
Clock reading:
5.32
